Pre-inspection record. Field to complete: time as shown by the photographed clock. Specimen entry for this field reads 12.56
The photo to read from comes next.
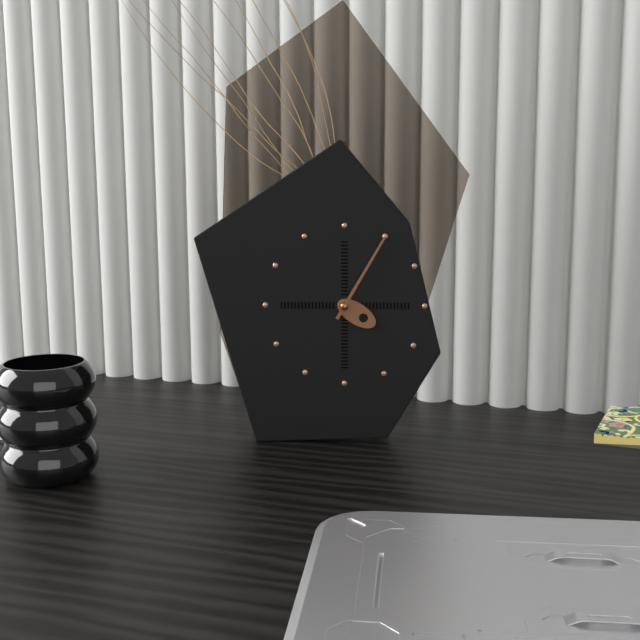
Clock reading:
4.05
